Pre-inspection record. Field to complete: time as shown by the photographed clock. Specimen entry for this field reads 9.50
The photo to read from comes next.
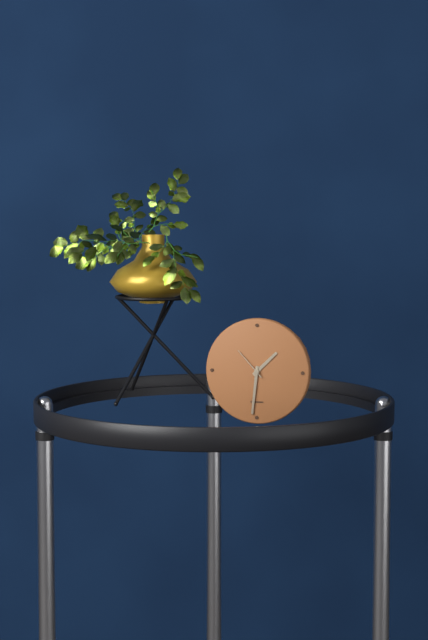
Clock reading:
1.31
